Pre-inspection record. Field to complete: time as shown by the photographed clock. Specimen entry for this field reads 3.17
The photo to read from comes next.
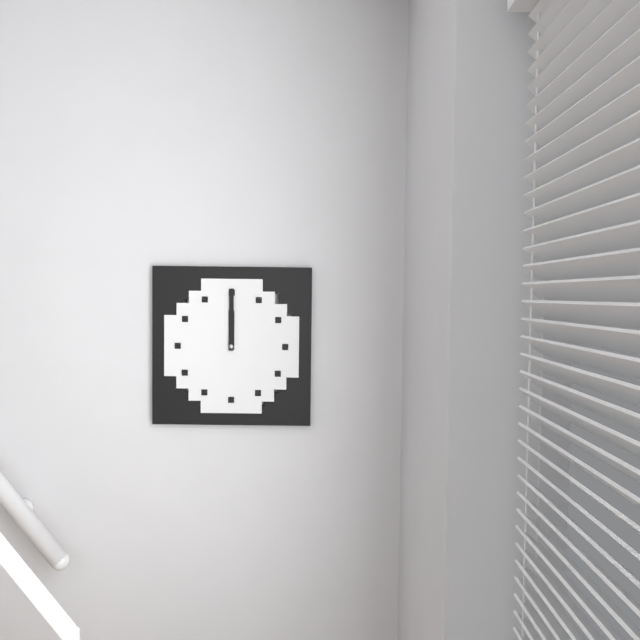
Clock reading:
12.00
